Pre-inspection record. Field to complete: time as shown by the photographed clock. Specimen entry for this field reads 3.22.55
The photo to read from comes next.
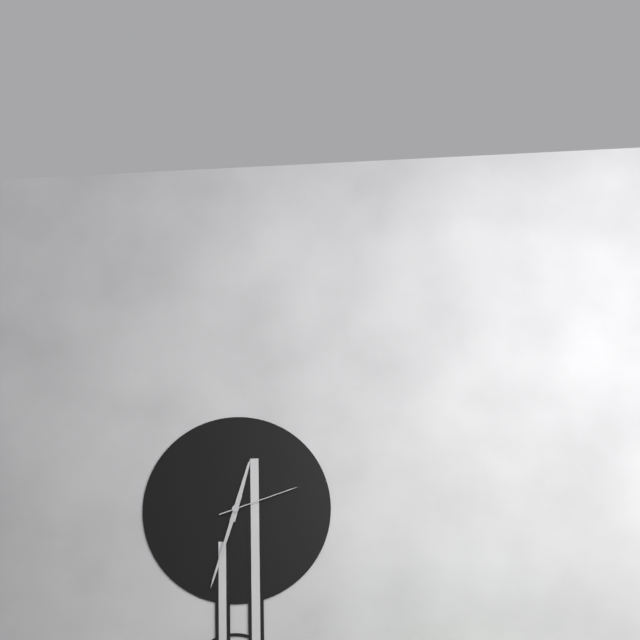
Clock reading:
12.33.12
